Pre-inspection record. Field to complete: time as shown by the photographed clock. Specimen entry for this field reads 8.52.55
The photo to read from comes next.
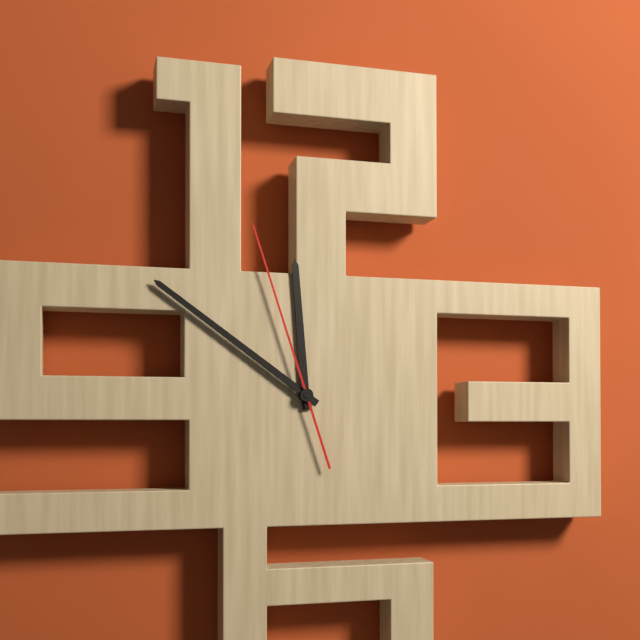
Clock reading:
11.51.57
